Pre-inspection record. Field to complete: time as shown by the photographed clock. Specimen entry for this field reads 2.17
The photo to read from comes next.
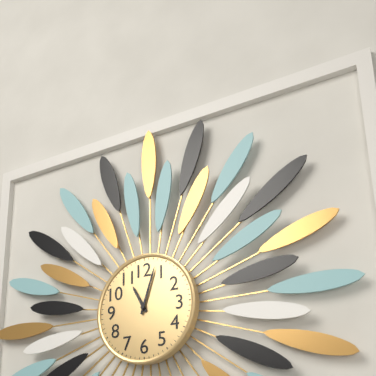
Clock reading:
11.03
